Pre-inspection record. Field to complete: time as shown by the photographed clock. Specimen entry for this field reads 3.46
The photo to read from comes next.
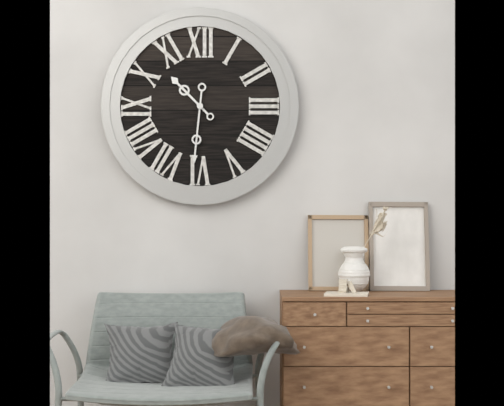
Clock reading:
10.31
